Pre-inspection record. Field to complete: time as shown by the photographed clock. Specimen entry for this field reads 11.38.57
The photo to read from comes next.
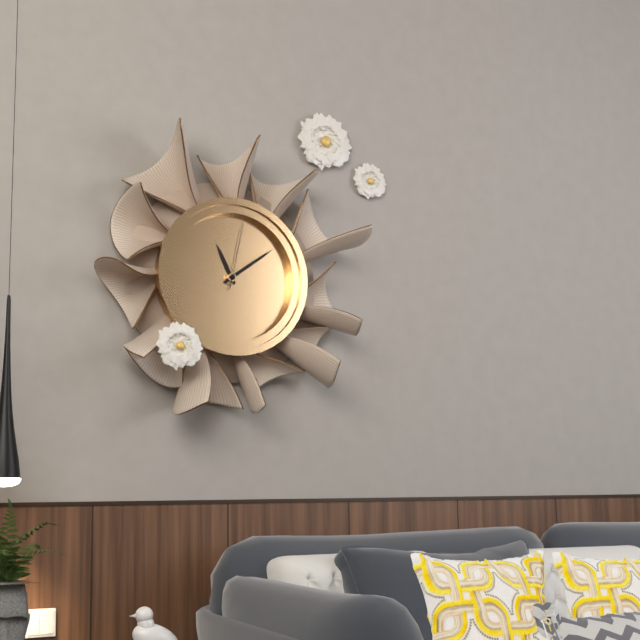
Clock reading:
11.09.02
